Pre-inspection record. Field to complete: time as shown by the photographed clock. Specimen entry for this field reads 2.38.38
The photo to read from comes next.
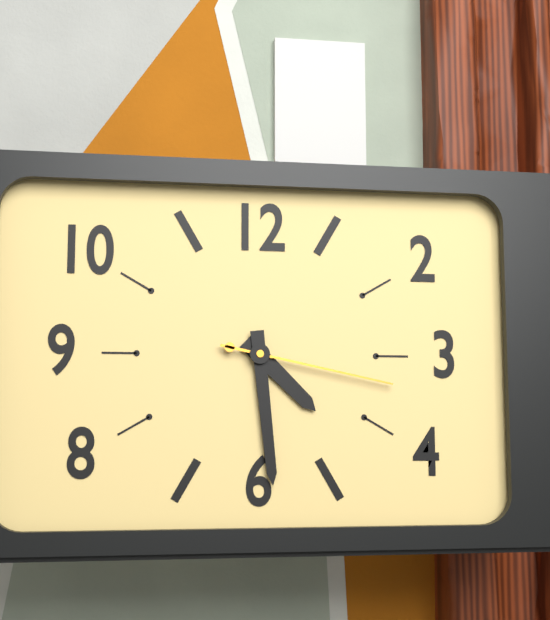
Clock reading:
4.29.17
